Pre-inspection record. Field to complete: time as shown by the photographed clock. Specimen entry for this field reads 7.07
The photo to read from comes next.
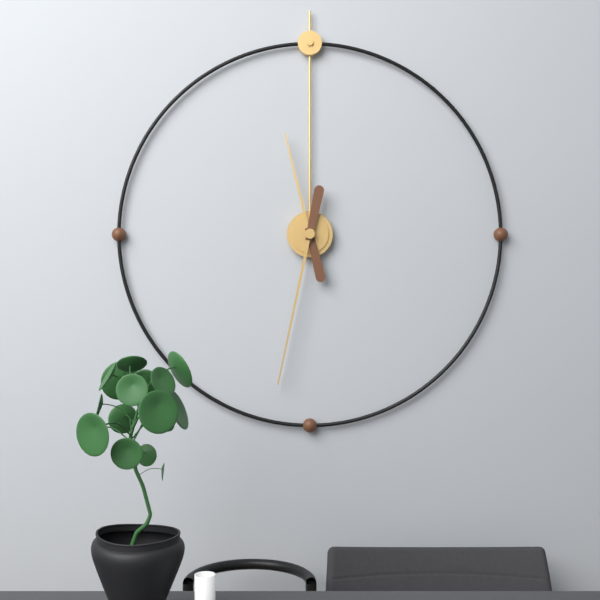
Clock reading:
11.32
